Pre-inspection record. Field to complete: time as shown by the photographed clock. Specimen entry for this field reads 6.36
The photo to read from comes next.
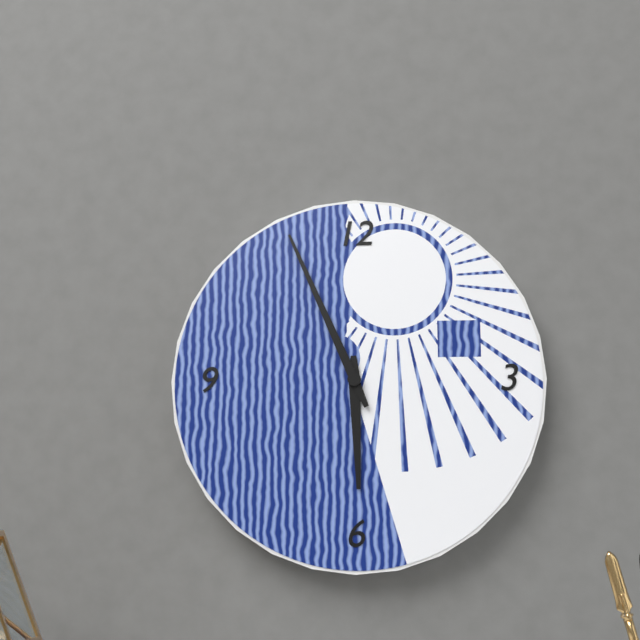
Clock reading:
5.56
